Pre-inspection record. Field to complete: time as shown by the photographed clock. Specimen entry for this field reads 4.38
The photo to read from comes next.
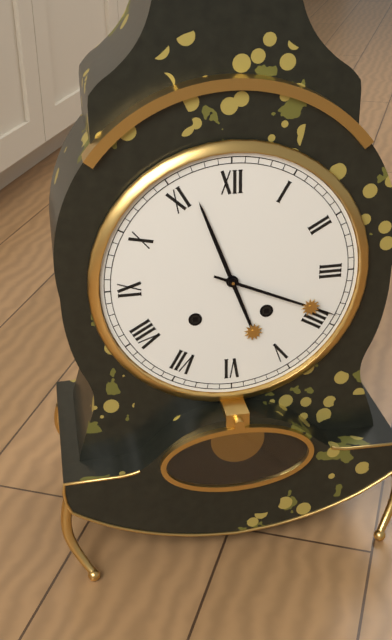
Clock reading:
11.19
